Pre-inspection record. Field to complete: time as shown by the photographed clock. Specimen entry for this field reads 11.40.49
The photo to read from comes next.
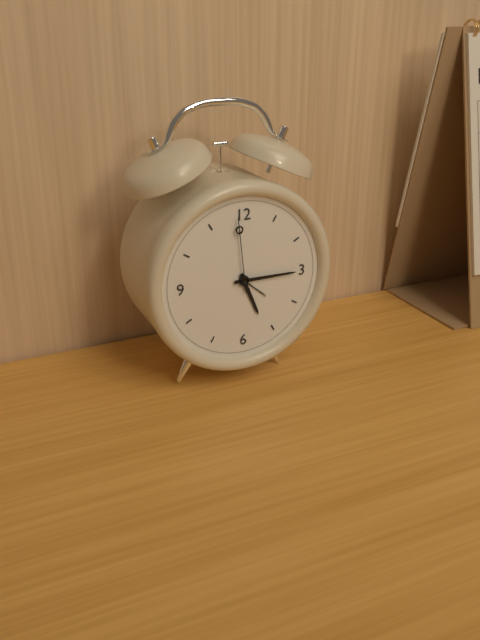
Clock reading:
5.15.59
